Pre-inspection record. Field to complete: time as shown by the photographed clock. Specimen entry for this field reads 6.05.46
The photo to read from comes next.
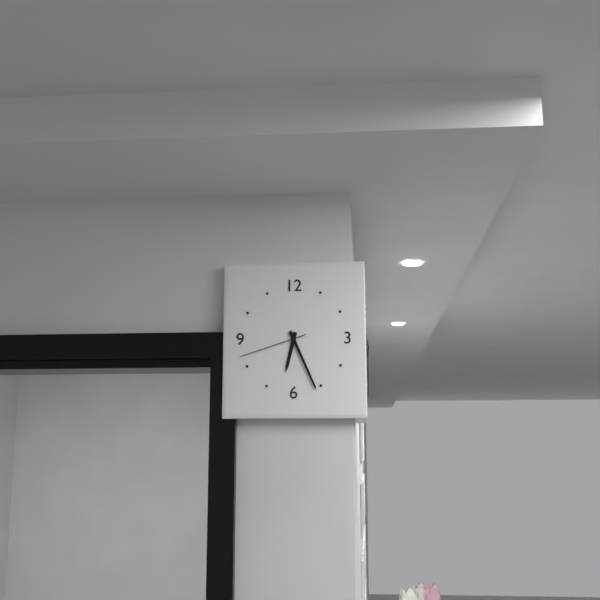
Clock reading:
6.26.42
